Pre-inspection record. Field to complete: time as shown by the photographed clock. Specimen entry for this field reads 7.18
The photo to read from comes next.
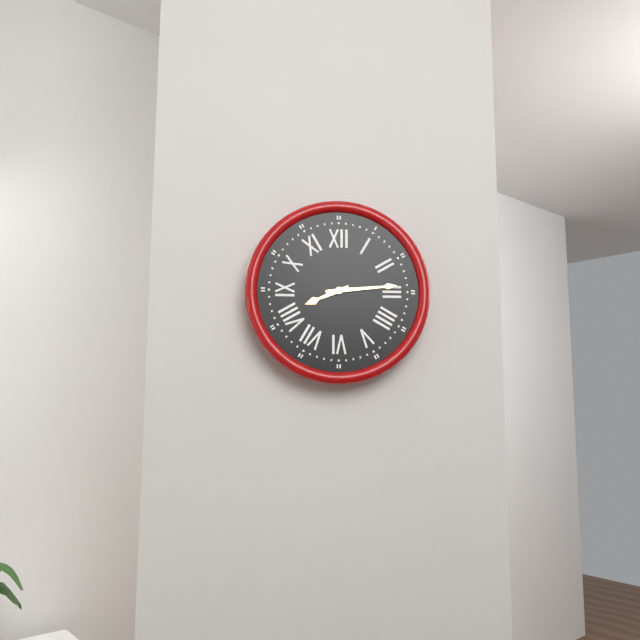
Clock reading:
8.14
